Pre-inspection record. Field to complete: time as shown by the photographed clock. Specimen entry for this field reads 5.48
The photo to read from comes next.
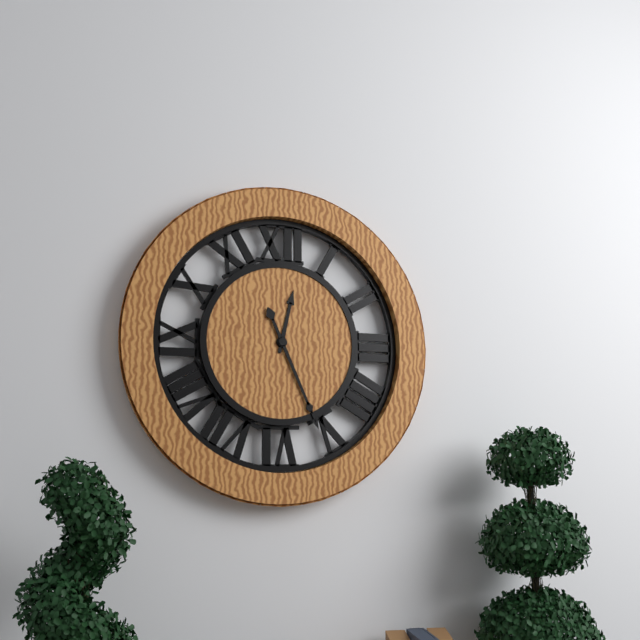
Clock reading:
12.26
